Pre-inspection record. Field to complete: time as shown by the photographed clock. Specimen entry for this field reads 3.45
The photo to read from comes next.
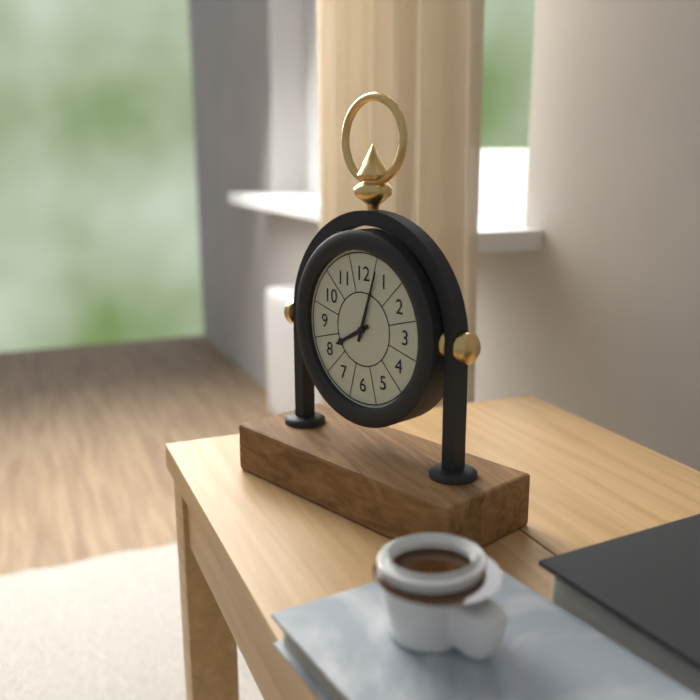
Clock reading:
8.03
